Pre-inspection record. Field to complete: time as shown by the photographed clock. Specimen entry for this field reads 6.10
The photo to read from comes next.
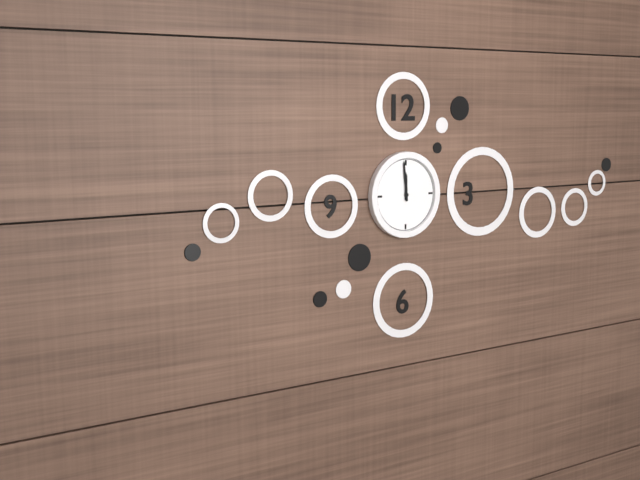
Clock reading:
11.59
